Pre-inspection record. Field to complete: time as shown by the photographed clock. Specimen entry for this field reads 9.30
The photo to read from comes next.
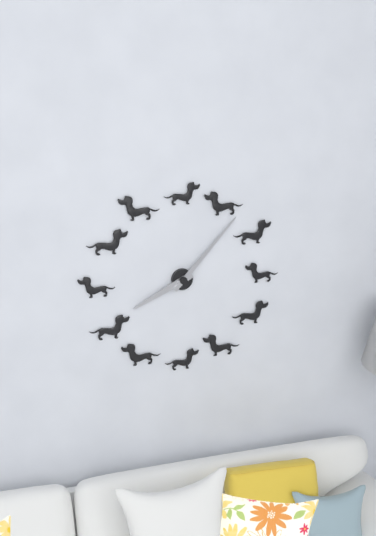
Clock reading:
8.07
